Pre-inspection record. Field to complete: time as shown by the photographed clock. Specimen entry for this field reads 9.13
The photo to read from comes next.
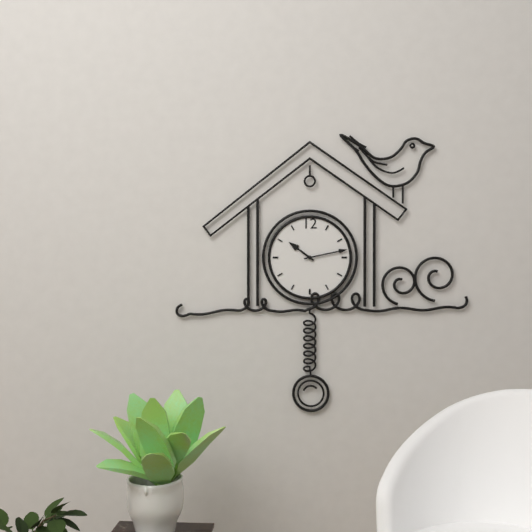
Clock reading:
10.13
